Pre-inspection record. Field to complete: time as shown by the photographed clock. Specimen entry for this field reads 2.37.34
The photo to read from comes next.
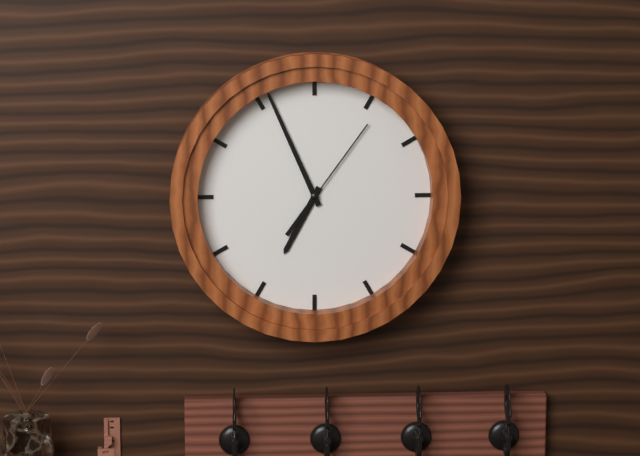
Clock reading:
6.56.06
